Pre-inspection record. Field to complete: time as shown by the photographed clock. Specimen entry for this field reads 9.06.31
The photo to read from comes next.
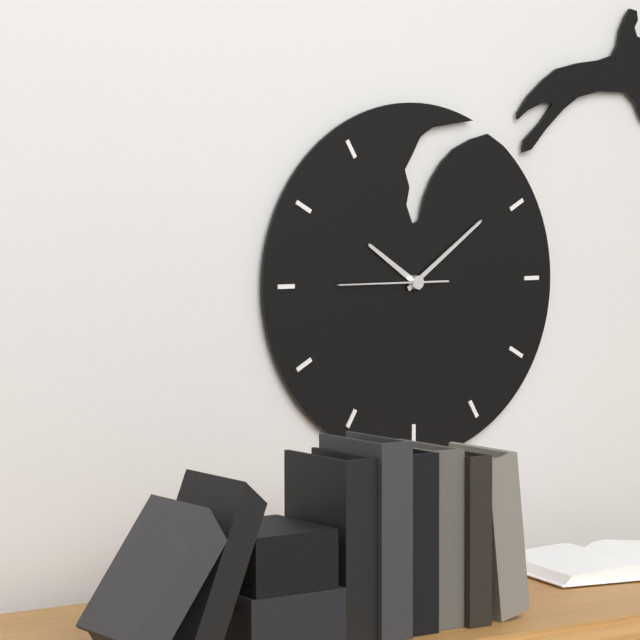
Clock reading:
10.09.45
